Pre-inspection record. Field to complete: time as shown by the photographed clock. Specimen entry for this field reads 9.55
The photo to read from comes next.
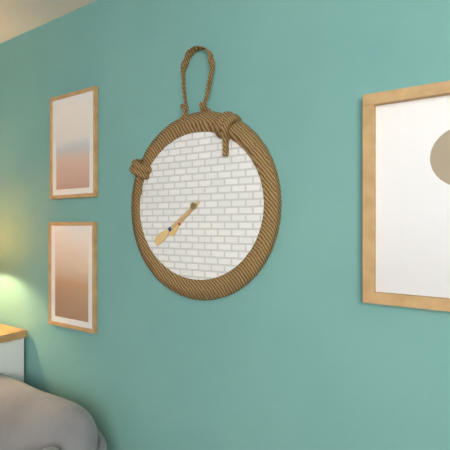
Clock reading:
7.39
